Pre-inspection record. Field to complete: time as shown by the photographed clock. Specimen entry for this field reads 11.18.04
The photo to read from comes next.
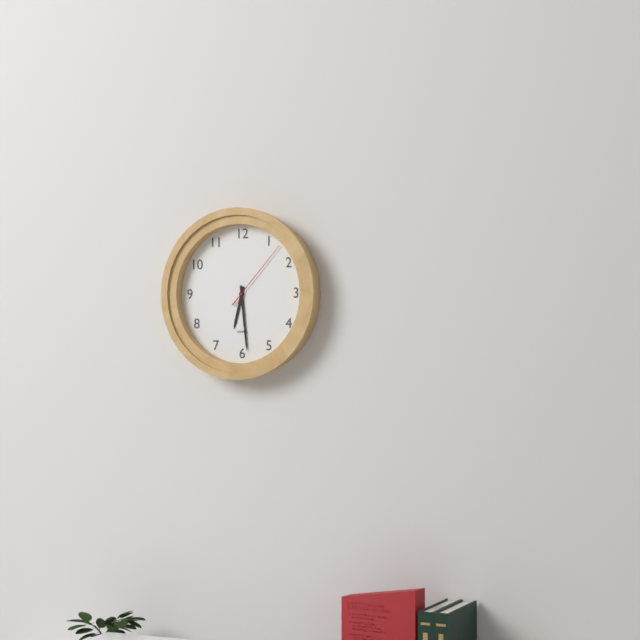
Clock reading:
6.29.07
